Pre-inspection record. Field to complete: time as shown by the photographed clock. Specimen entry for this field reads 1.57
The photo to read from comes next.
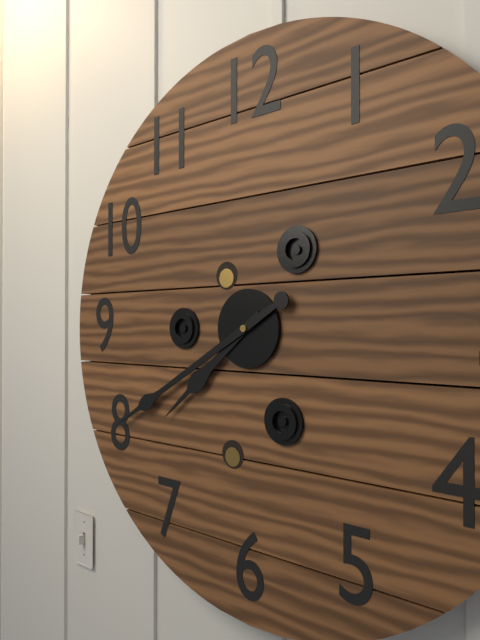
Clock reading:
7.40
